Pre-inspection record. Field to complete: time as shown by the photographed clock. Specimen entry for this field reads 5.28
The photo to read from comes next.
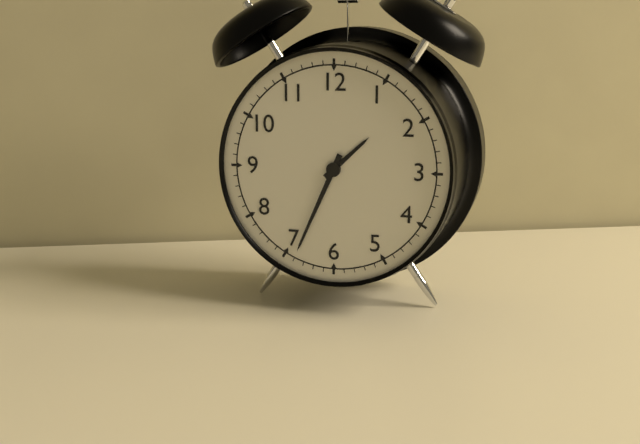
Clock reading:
1.34
